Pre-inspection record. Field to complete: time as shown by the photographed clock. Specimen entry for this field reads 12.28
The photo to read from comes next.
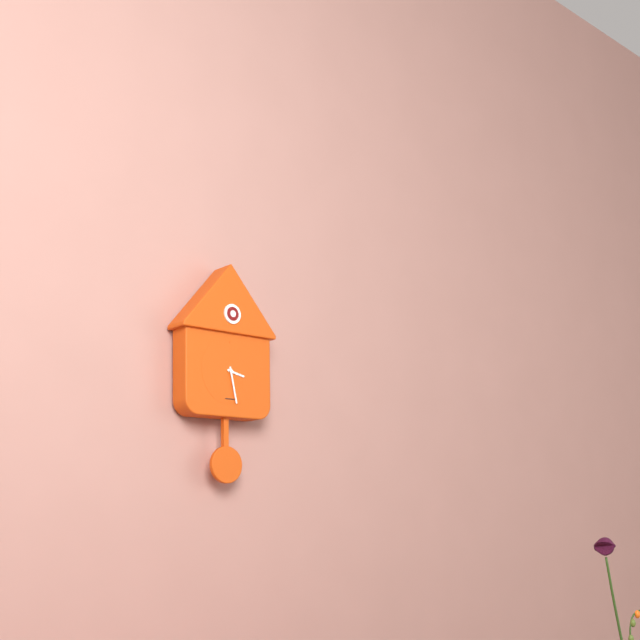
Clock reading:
3.28
